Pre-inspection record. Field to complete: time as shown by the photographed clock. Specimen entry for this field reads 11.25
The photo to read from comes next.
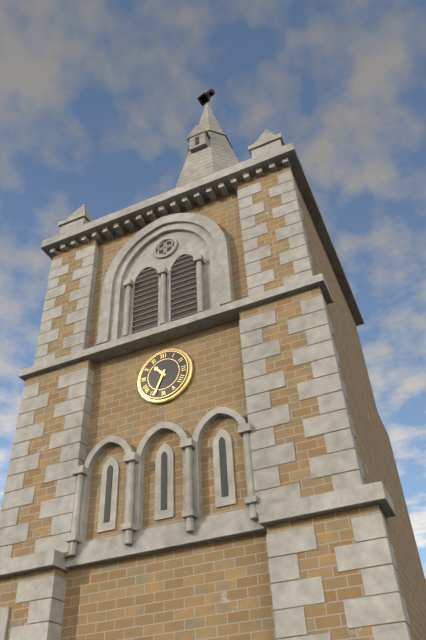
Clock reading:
10.34
